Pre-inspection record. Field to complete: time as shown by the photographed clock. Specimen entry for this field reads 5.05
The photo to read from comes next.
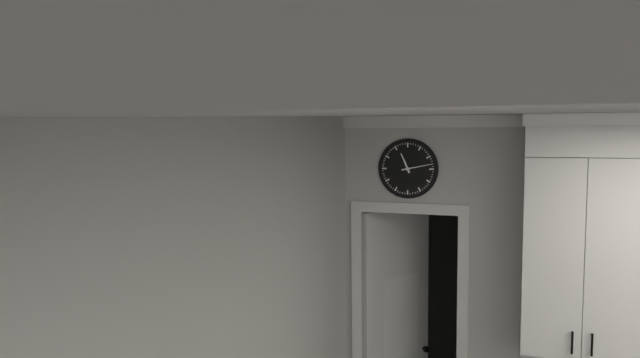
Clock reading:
11.13
